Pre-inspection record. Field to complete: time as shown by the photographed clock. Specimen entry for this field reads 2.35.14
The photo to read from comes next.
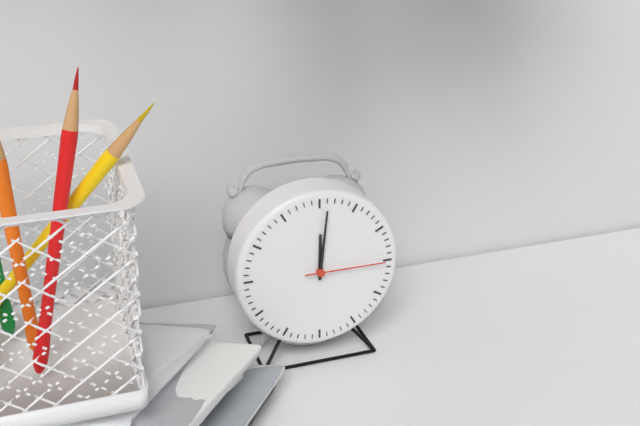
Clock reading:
12.01.15
